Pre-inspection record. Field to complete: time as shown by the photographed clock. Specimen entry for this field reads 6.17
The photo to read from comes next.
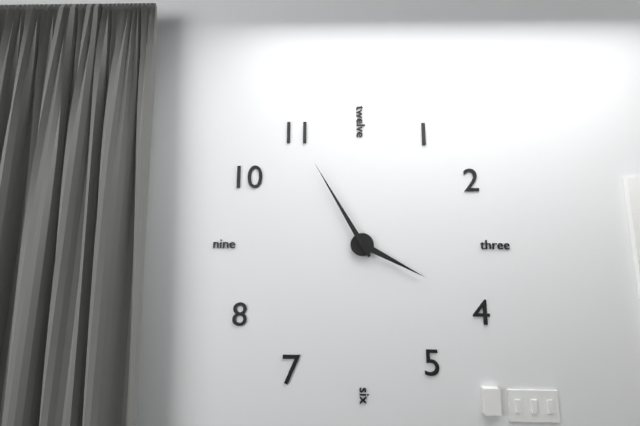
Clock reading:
3.55
